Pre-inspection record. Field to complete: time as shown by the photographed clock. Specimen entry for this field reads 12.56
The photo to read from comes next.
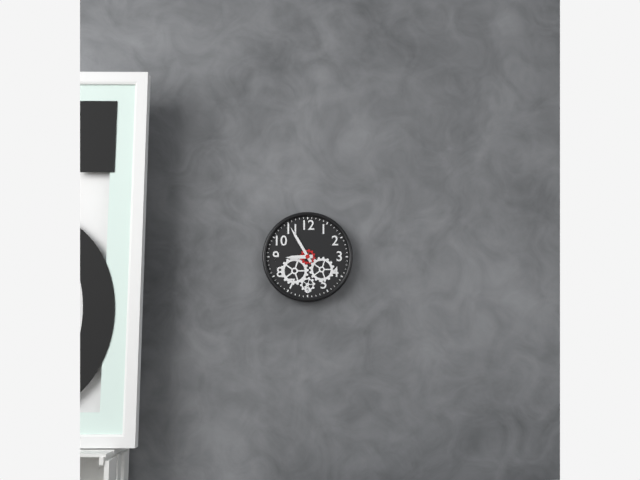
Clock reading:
8.55
